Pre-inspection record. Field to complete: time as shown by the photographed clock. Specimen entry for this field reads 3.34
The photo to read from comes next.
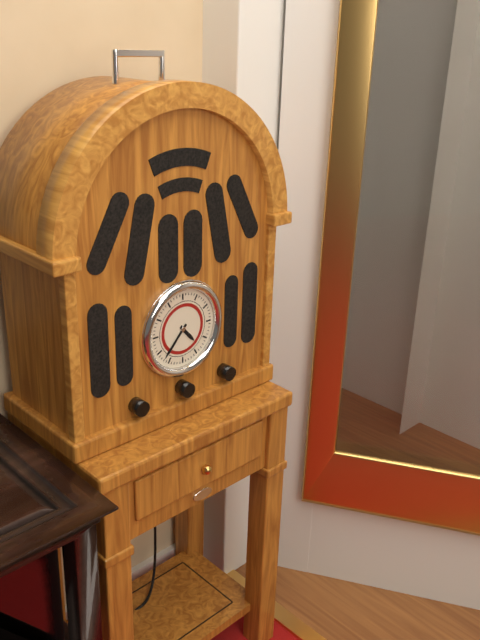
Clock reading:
4.37
